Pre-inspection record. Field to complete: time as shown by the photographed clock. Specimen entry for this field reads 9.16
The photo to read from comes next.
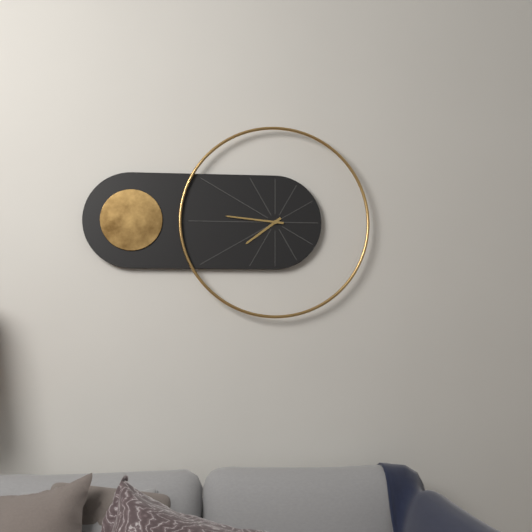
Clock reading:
7.46
